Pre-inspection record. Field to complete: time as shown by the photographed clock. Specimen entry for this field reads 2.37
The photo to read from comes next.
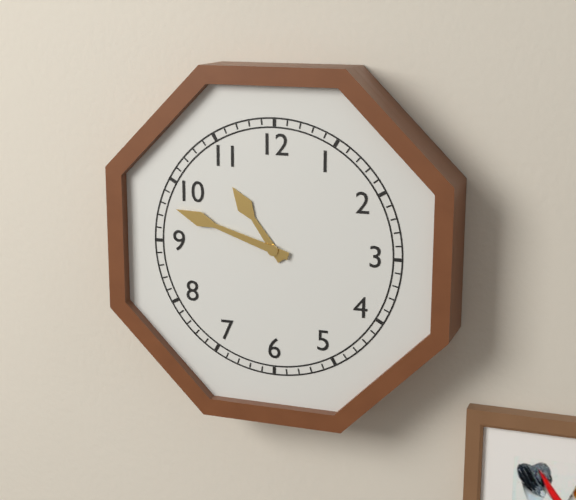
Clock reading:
10.48
